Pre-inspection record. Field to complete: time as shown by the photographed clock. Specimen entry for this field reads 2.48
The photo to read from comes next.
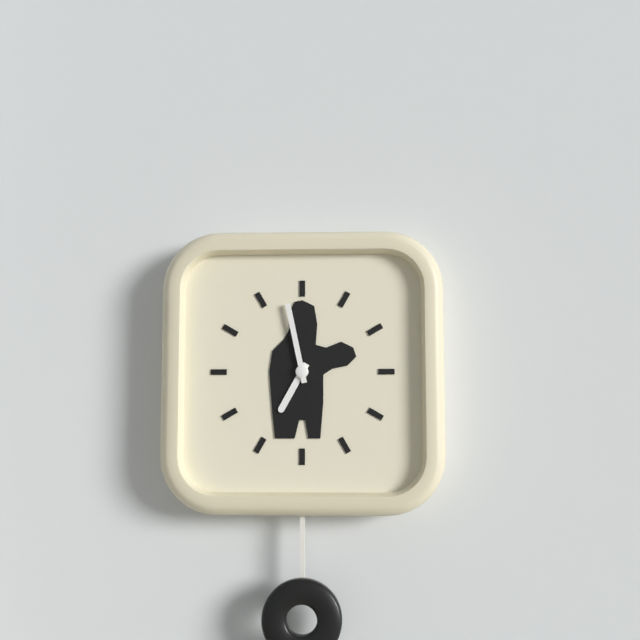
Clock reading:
6.58
